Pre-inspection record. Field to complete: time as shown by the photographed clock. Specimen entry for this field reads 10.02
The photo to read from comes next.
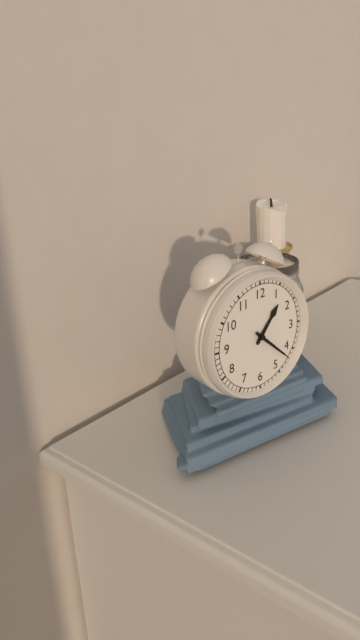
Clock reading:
1.22
